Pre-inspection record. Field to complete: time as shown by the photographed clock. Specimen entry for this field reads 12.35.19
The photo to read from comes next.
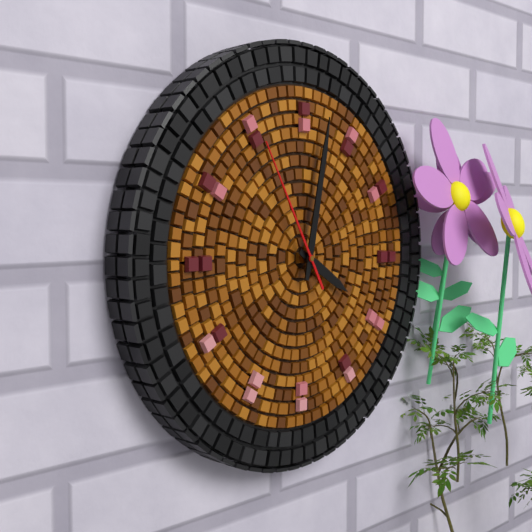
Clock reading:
4.02.55
